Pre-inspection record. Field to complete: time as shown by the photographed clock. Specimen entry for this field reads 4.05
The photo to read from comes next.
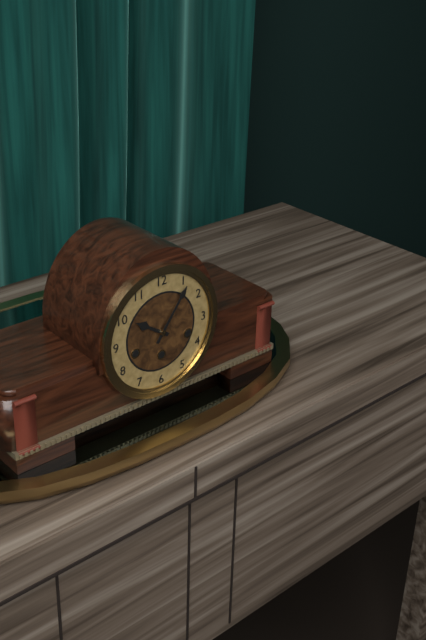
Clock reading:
10.06
